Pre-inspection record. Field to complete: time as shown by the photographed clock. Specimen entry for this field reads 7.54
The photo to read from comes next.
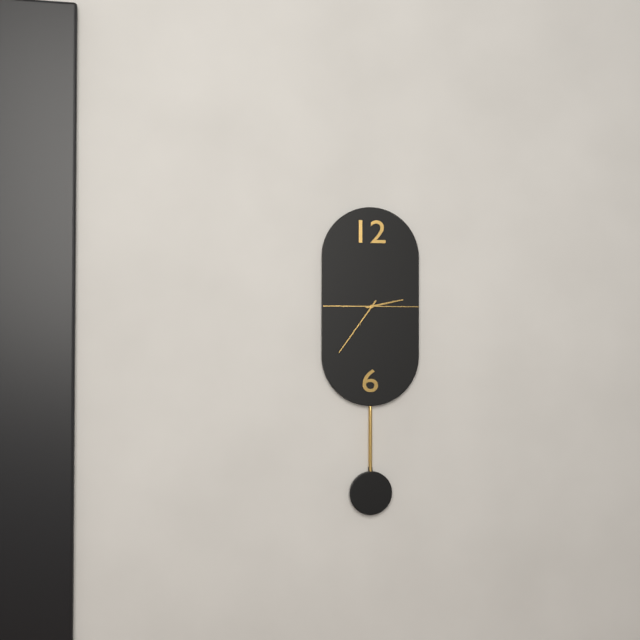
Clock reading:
2.36
